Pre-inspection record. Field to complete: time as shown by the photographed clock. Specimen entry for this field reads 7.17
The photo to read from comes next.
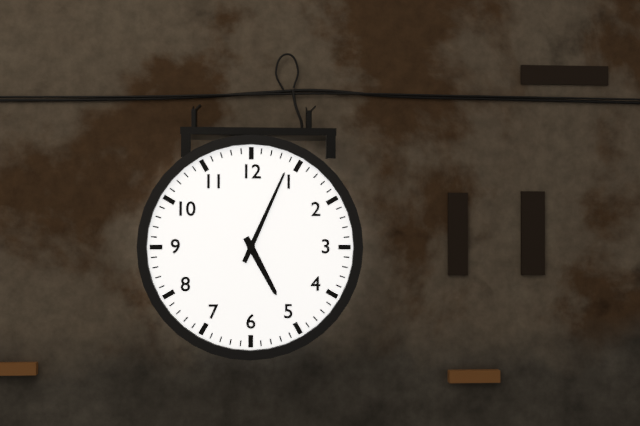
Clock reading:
5.04
